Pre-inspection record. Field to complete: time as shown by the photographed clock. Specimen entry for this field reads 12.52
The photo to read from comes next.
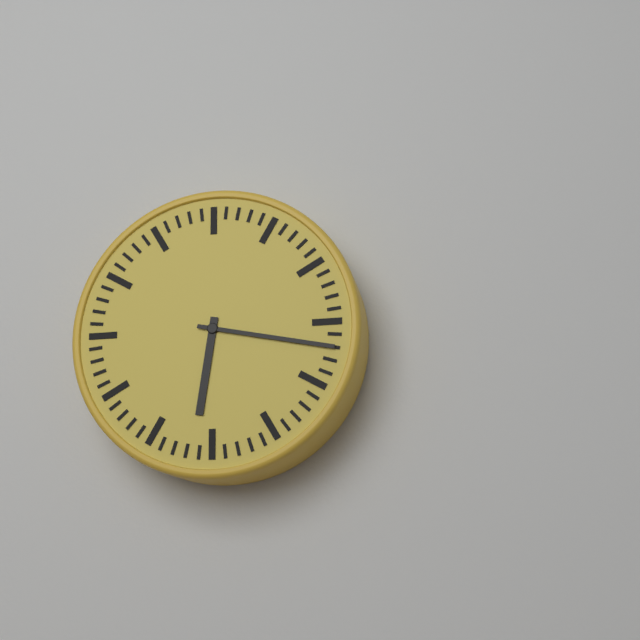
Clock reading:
6.17
